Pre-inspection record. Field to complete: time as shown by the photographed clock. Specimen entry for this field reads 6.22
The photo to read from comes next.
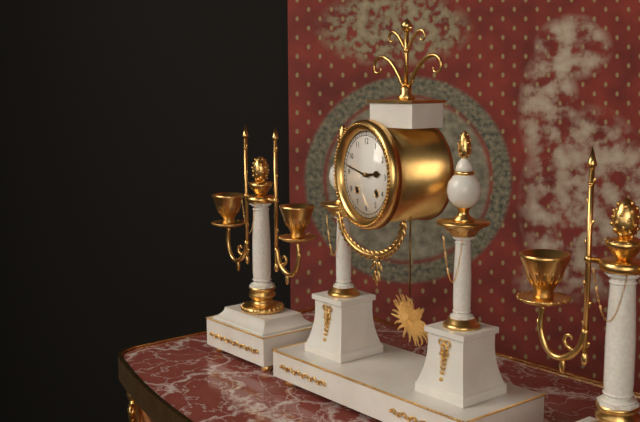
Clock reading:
2.47
